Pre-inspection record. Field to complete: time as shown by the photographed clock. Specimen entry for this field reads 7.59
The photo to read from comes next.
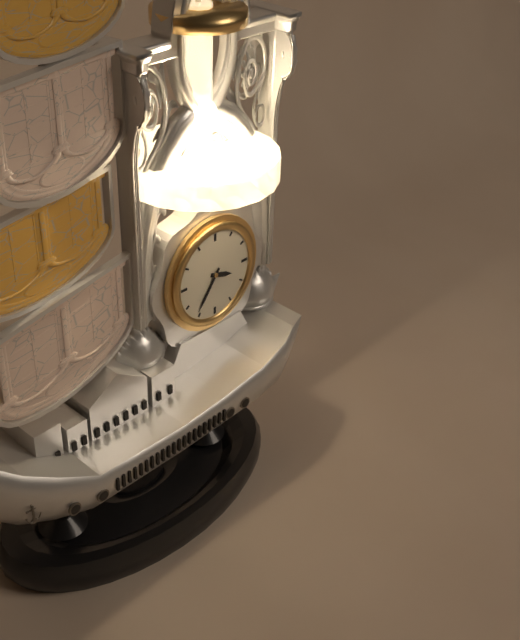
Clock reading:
3.36
